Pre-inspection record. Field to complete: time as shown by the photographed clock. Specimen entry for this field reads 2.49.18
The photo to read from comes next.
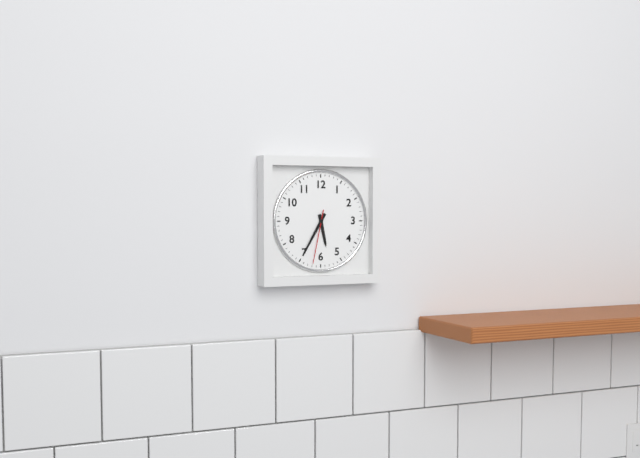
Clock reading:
5.35.32
